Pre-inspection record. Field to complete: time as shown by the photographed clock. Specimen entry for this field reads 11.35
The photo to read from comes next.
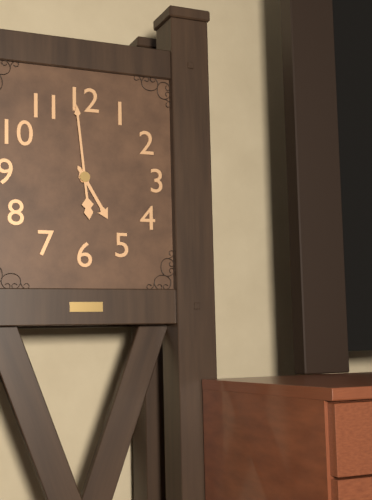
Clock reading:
4.59
